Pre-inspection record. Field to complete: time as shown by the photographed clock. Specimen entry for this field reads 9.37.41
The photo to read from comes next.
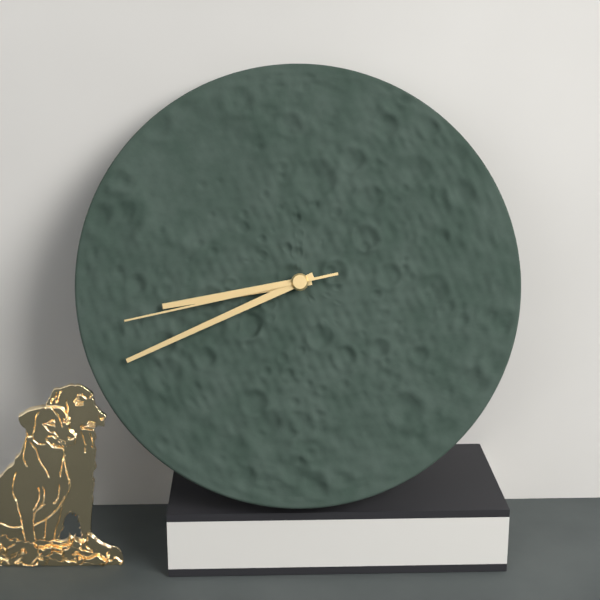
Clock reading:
8.41.43
